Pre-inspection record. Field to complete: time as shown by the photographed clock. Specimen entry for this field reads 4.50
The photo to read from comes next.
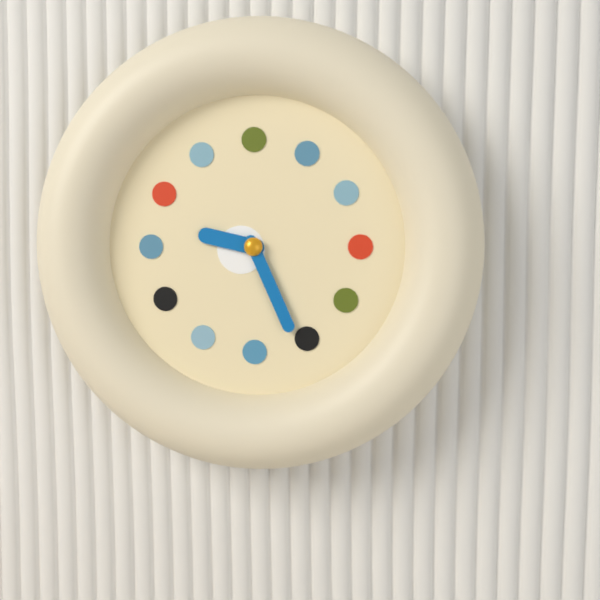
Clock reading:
9.26
